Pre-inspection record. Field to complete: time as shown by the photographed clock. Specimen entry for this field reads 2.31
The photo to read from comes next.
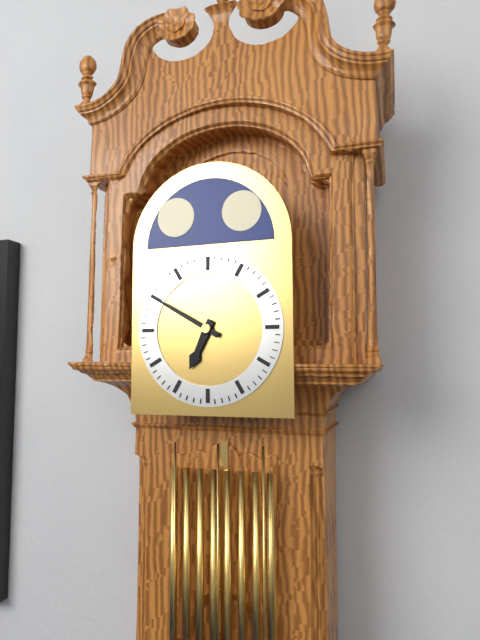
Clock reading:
6.50
